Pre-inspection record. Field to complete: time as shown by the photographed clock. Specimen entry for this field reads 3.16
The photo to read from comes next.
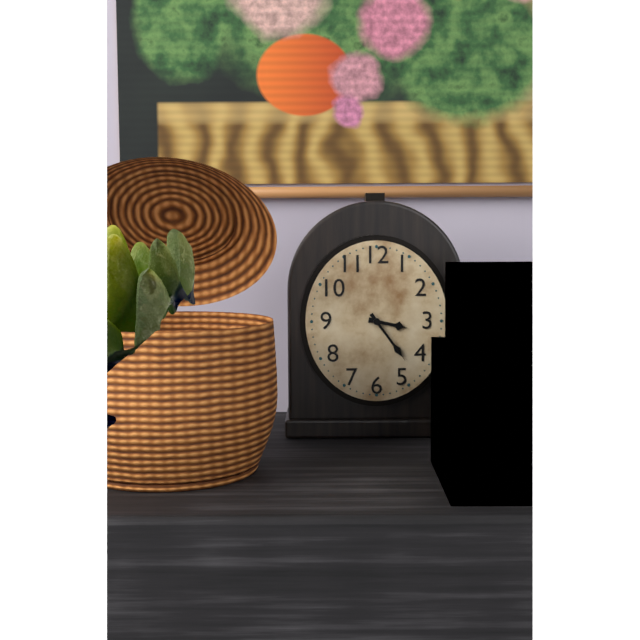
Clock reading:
3.24
